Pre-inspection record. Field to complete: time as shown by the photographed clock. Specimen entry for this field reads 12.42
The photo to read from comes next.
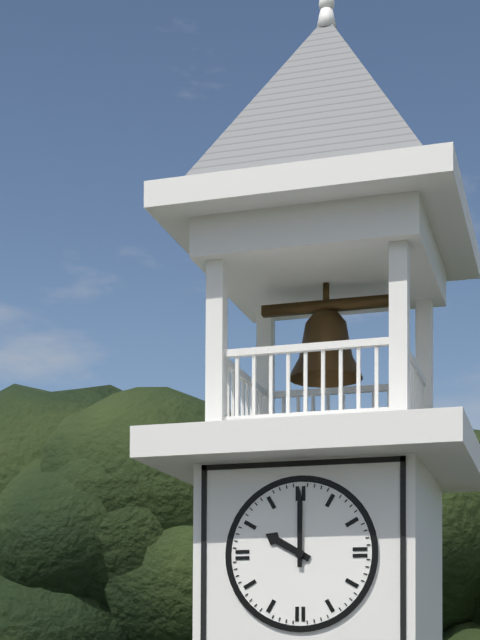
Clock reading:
10.00
